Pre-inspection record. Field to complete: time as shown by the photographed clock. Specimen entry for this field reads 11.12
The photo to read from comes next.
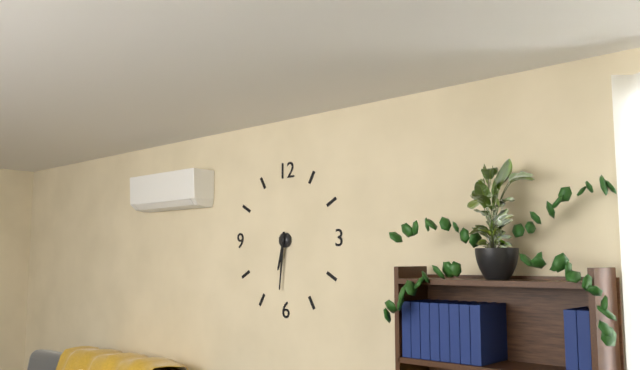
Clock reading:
6.31
